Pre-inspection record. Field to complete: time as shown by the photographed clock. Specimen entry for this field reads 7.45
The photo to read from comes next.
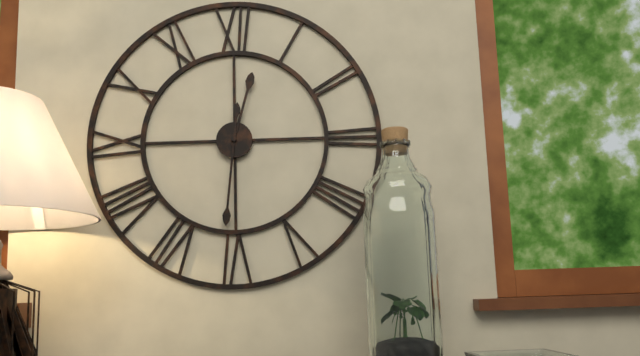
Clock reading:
12.31
